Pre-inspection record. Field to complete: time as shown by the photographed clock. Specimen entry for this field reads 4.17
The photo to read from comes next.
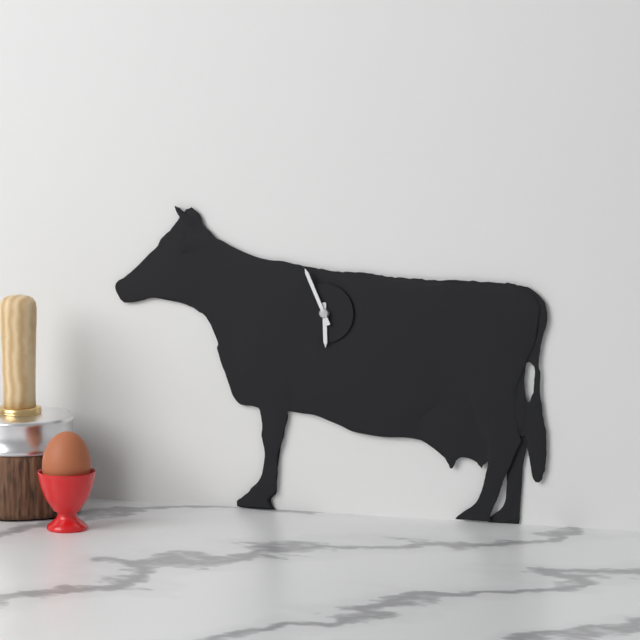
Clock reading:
5.56
